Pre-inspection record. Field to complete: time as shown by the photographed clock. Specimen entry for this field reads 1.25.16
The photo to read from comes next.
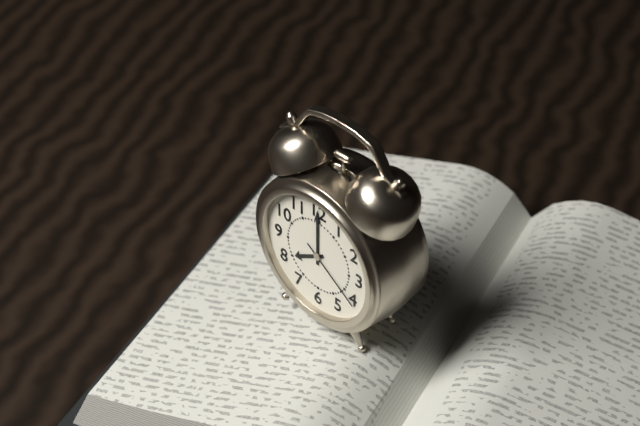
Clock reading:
8.00.21
